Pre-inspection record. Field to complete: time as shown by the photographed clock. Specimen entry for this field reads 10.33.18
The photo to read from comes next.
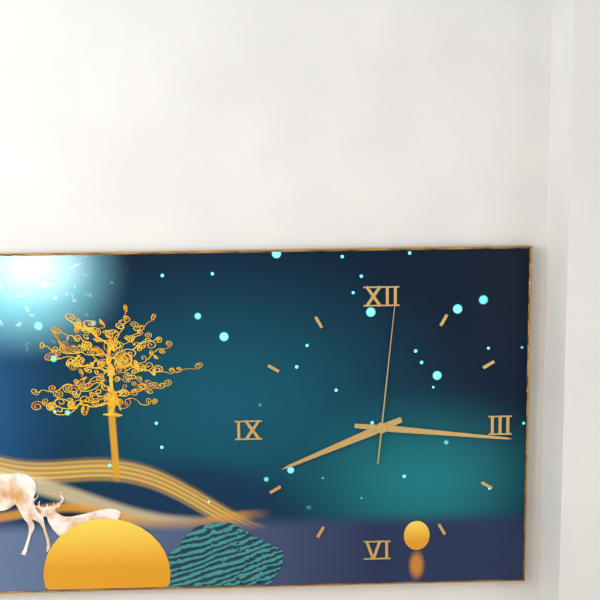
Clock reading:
8.16.01
